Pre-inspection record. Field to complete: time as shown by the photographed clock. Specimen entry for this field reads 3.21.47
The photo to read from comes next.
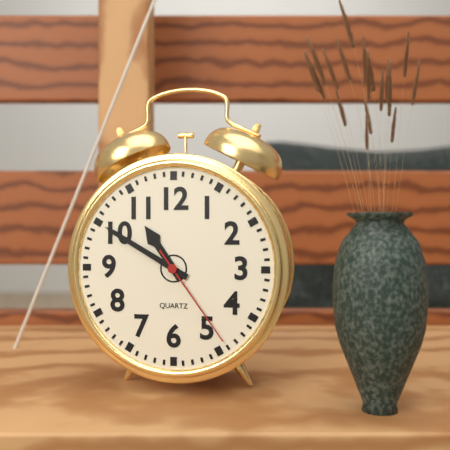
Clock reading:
10.50.24
